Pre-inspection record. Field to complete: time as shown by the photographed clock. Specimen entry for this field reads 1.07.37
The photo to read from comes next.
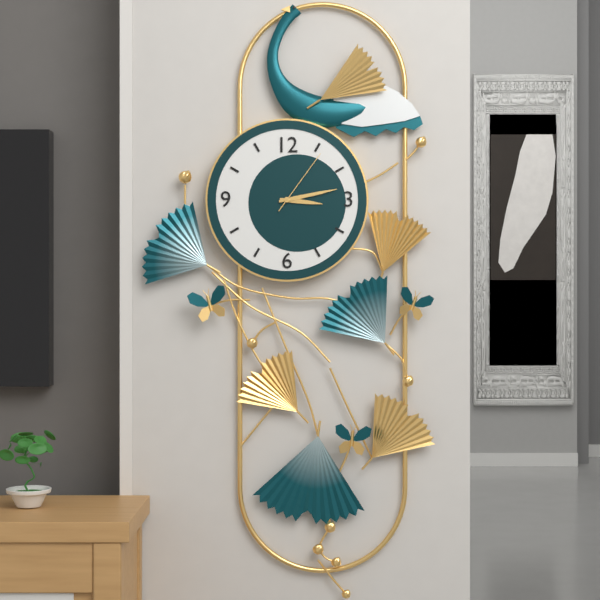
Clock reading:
3.13.06
